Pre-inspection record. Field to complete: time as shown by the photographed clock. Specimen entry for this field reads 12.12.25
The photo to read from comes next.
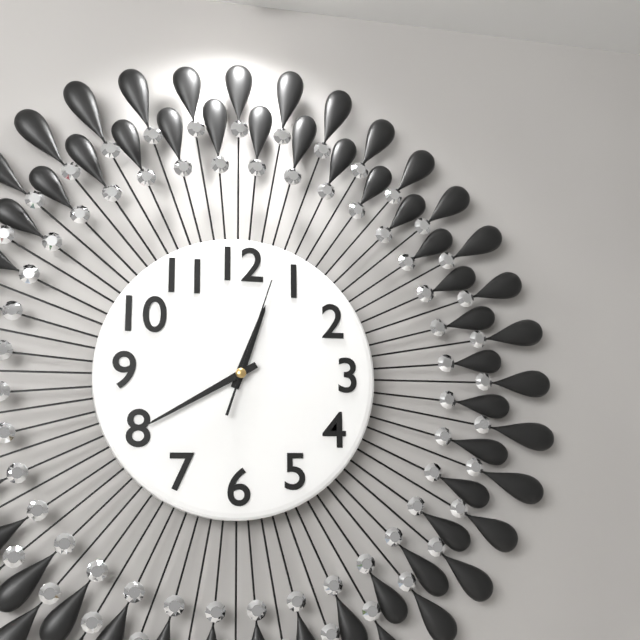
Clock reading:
12.40.03
